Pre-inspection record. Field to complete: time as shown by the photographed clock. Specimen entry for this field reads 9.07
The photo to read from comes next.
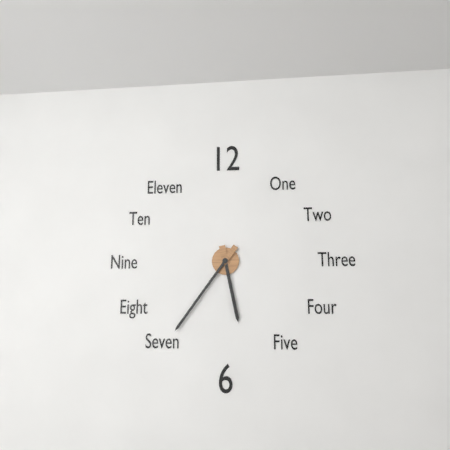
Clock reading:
5.36
